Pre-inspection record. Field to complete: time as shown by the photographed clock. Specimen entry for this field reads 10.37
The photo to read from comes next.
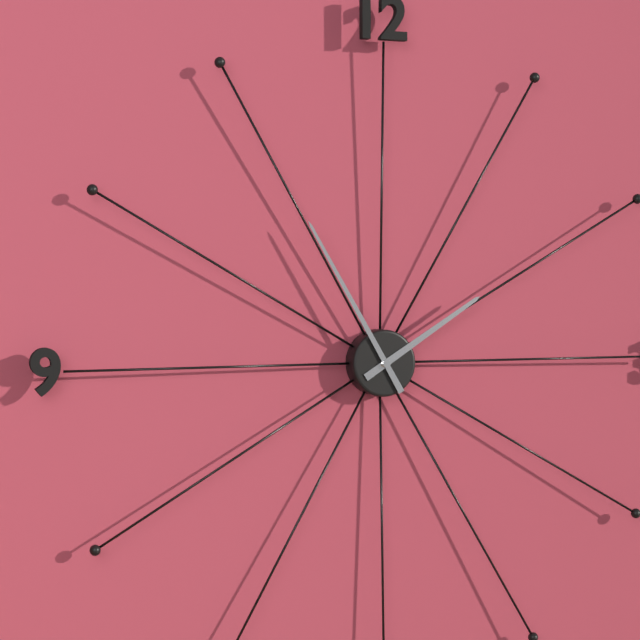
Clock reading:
1.55
